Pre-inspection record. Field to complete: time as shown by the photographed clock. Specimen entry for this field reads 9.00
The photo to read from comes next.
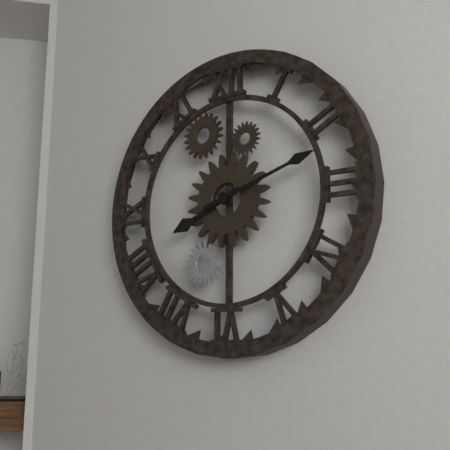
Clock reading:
8.12
